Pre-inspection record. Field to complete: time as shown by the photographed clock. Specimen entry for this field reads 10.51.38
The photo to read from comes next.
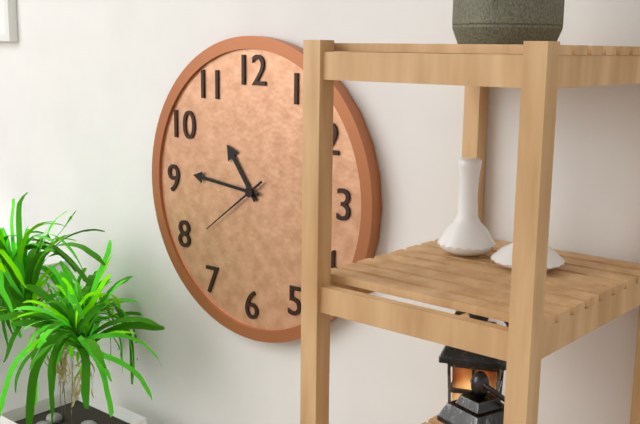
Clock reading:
10.46.39
